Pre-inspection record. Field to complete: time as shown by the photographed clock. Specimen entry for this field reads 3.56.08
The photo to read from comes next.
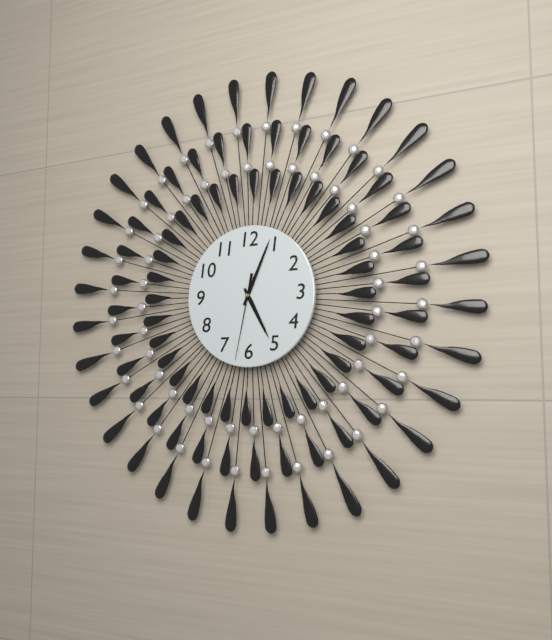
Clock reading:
5.04.32
